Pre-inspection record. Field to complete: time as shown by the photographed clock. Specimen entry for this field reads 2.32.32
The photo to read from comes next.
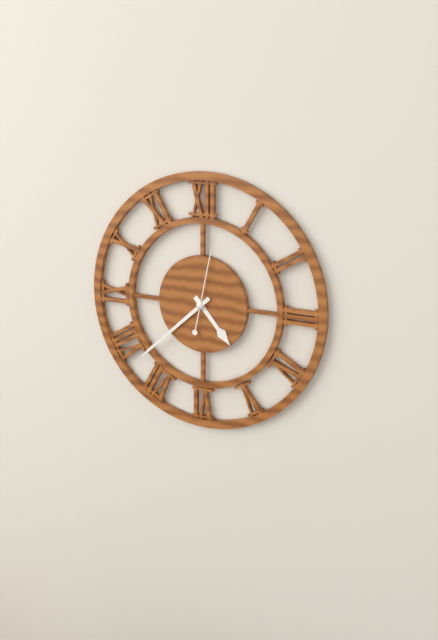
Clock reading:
4.38.02
